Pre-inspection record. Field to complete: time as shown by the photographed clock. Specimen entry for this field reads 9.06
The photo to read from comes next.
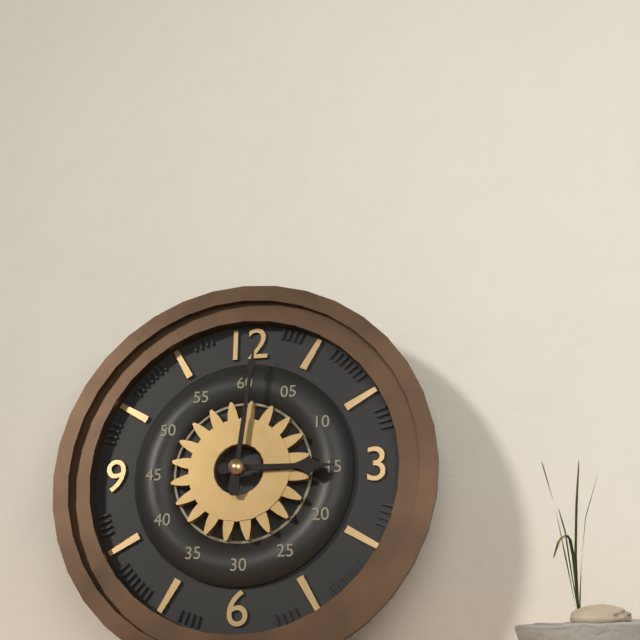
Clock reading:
3.01
